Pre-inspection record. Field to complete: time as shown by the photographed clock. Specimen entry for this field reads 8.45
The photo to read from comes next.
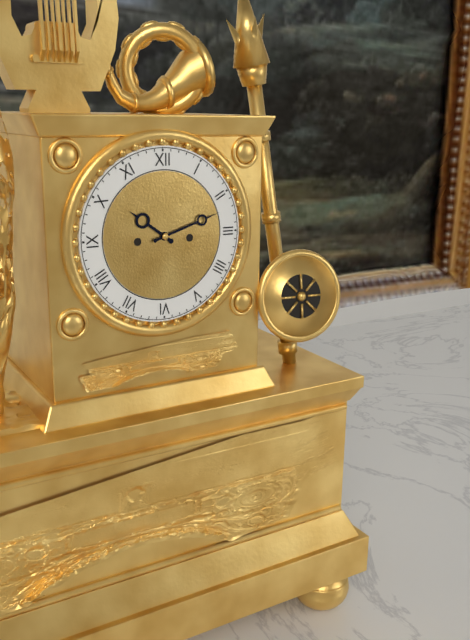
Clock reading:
10.12
